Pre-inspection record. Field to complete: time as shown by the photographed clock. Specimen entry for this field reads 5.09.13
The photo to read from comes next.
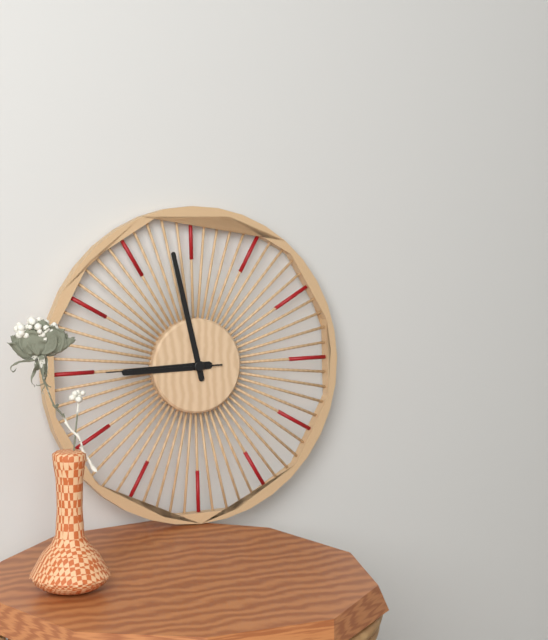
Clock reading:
8.58.45
